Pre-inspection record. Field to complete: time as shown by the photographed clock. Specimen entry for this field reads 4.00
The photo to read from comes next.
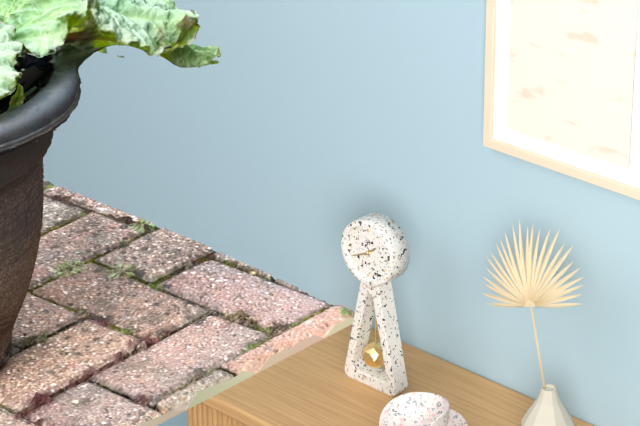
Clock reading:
1.41
